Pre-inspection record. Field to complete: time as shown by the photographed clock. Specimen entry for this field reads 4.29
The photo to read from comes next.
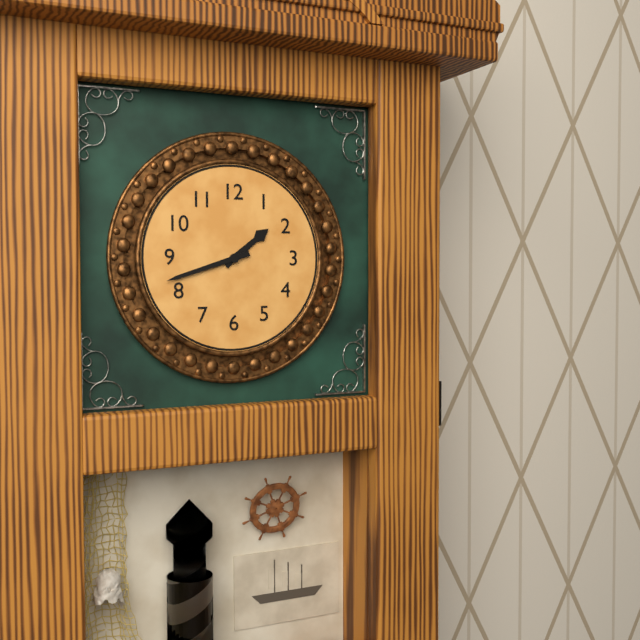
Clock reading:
1.42
